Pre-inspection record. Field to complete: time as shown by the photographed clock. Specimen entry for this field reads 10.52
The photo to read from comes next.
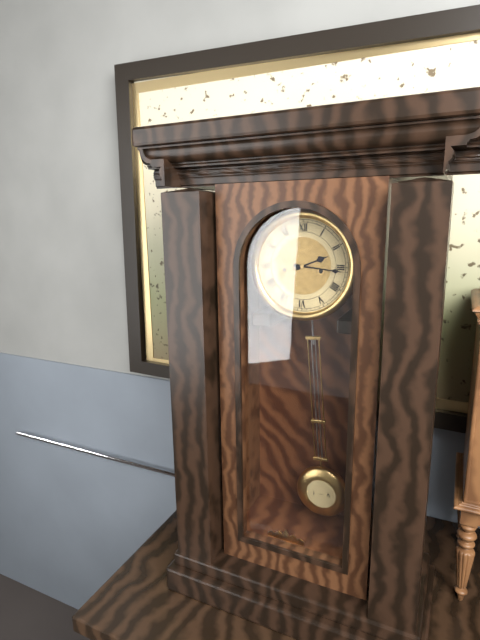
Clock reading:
2.16
